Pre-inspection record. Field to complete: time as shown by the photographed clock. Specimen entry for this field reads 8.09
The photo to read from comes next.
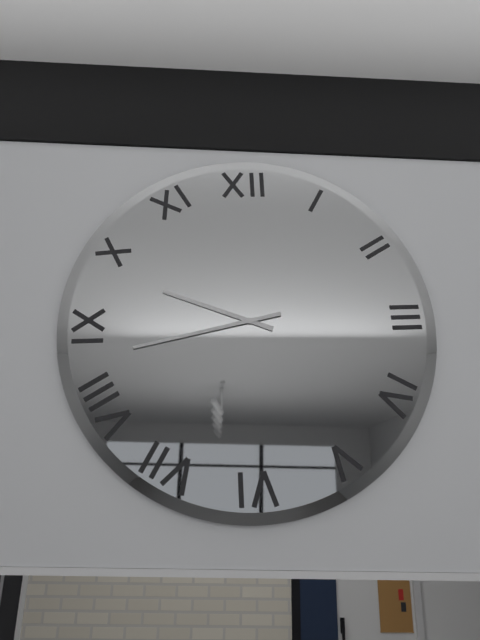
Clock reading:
9.43
